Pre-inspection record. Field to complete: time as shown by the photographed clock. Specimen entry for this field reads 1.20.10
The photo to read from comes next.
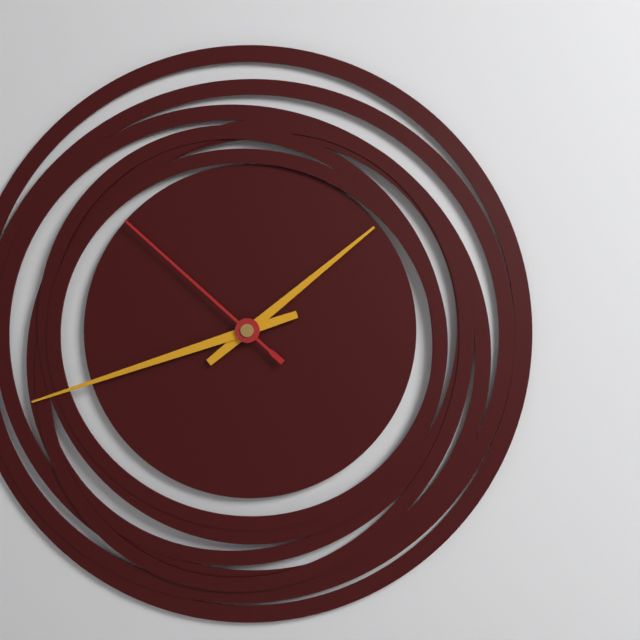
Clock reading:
1.42.52
